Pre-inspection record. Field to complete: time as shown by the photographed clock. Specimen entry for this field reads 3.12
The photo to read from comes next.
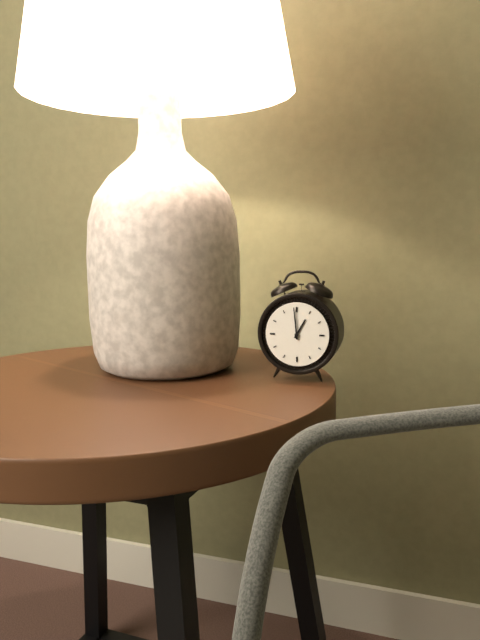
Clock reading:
12.59
